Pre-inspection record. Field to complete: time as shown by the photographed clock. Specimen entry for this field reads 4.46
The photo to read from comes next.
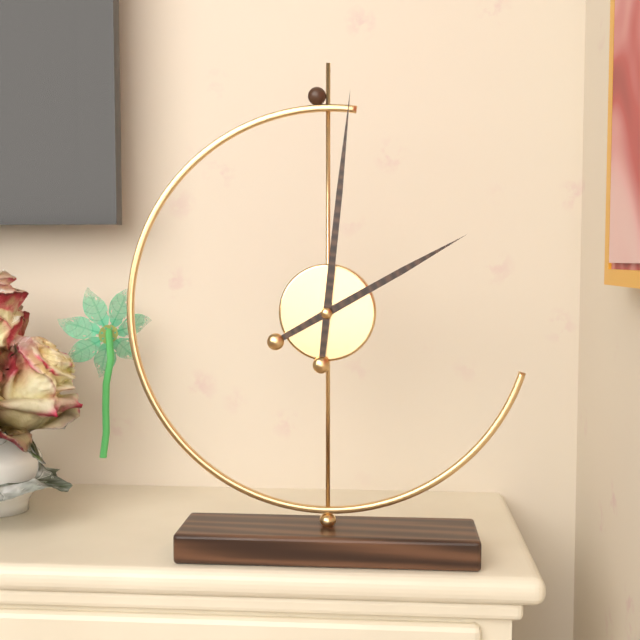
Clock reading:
2.01
